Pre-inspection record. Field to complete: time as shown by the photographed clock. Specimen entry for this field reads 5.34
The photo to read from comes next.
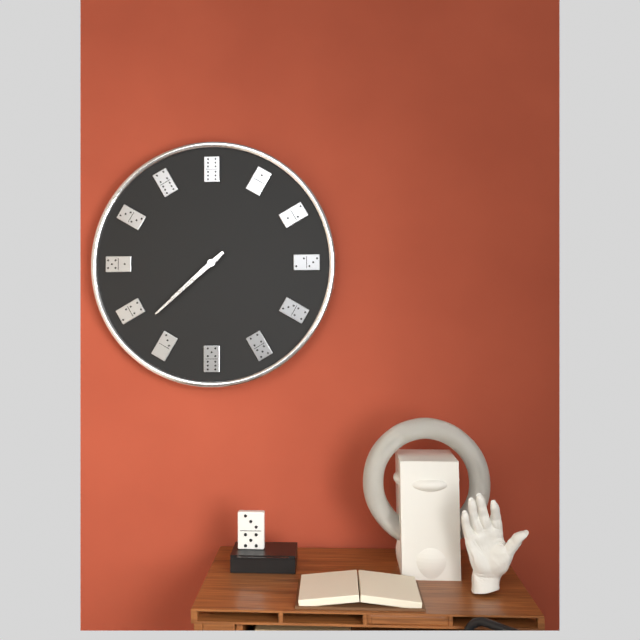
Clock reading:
7.38
